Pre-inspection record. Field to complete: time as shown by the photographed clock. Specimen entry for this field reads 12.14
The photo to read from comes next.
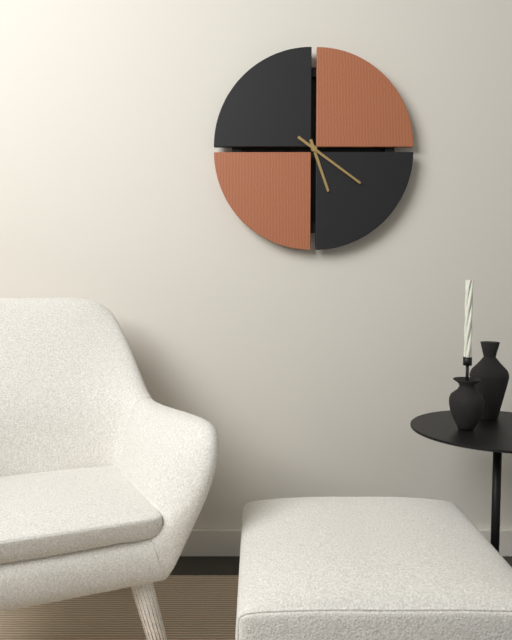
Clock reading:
5.21
